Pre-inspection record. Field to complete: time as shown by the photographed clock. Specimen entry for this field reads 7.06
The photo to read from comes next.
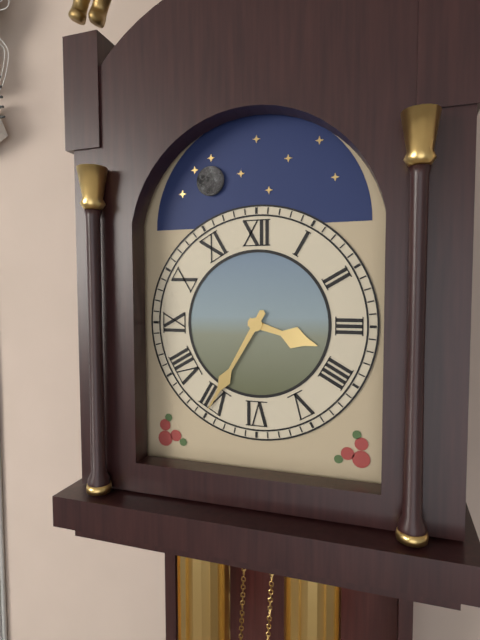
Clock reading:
3.35
